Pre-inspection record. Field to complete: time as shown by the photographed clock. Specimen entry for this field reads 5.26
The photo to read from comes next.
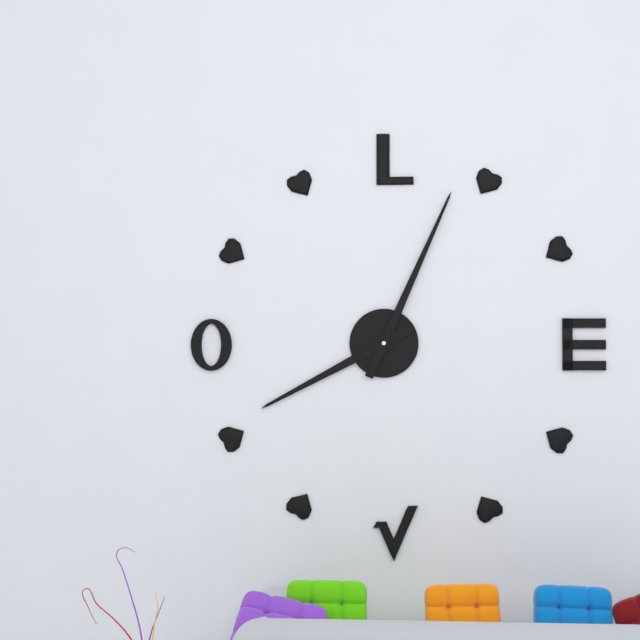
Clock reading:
8.04
